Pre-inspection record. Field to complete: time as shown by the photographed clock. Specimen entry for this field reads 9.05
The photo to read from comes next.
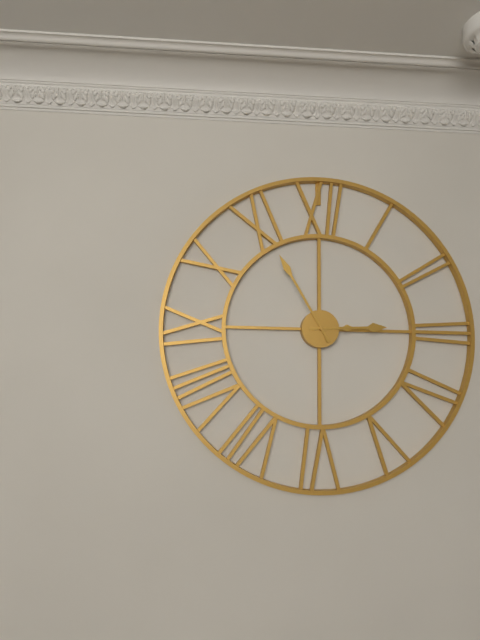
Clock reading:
2.55
